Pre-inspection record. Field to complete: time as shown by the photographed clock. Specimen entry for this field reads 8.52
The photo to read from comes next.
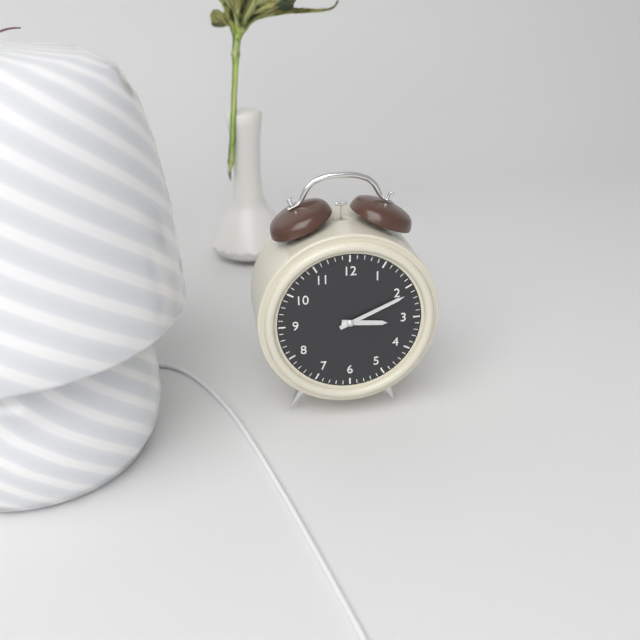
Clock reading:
3.11
